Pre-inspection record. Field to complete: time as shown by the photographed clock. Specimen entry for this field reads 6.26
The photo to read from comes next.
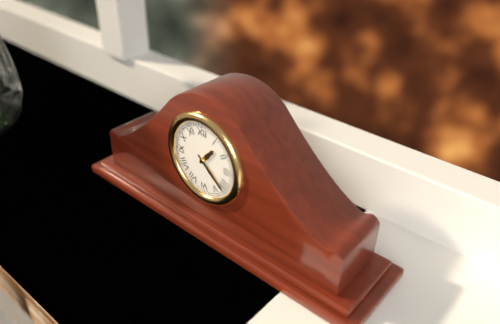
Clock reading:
1.22
